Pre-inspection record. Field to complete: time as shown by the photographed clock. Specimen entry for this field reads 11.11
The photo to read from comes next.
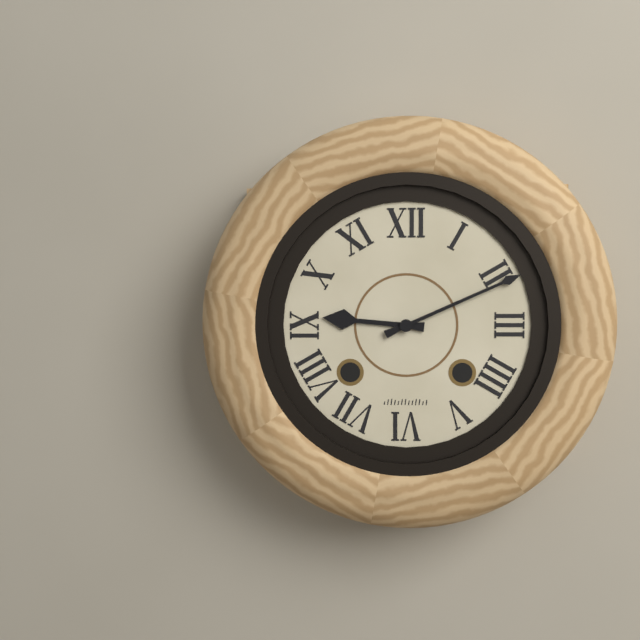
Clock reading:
9.11
